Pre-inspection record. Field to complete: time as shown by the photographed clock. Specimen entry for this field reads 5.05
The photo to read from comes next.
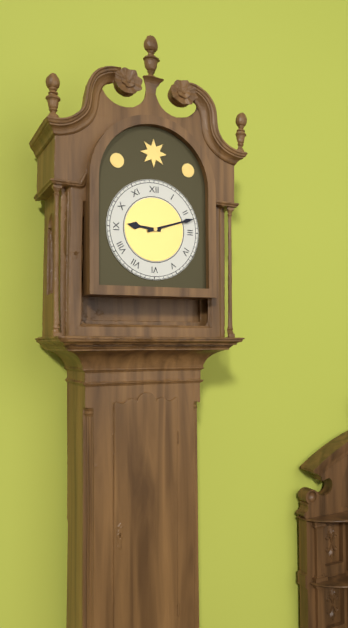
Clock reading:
9.12
